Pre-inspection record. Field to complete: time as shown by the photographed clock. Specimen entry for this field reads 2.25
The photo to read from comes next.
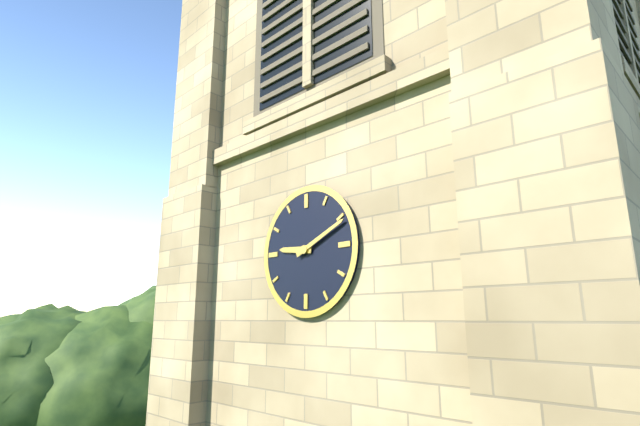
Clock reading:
9.11
